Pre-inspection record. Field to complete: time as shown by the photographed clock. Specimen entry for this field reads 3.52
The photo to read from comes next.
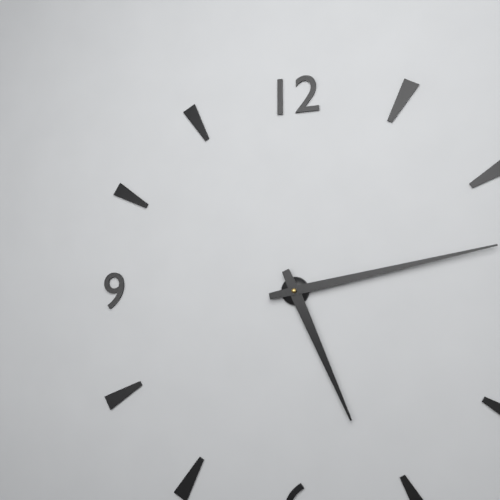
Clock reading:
5.13
